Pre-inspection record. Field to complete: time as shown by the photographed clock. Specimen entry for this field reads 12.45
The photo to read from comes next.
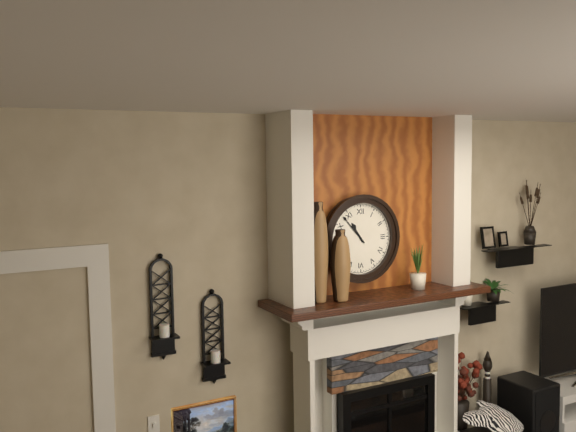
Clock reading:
10.53
